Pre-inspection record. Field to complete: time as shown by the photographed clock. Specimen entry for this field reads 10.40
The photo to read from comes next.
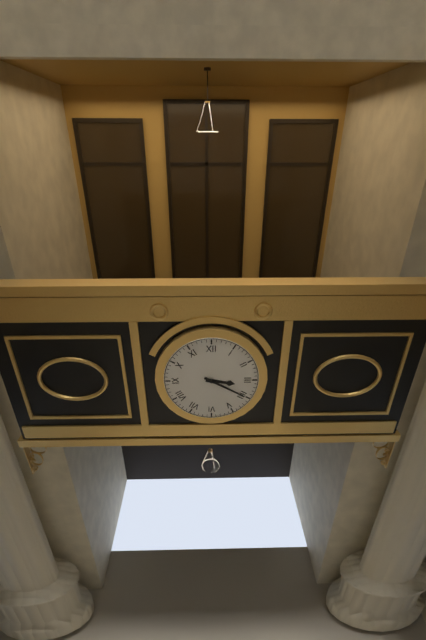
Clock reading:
3.20
